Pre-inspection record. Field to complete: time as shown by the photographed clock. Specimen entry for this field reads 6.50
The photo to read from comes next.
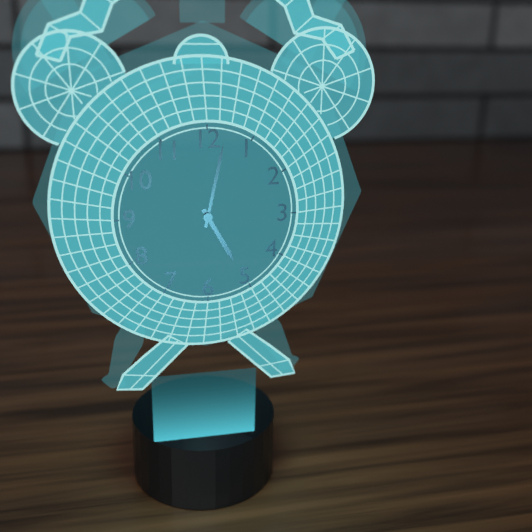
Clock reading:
5.02
